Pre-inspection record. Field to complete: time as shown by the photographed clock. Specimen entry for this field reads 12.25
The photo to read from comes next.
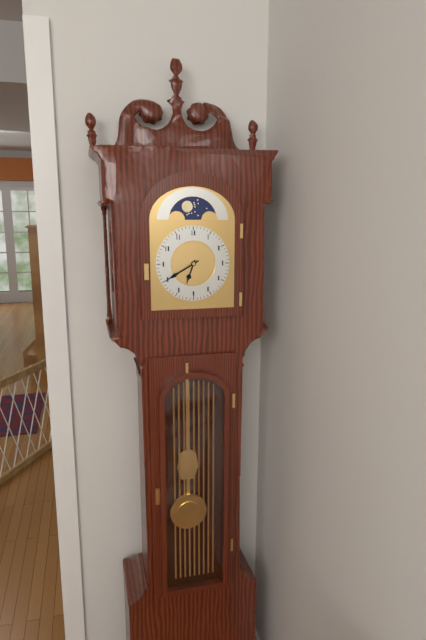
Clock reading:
6.40
